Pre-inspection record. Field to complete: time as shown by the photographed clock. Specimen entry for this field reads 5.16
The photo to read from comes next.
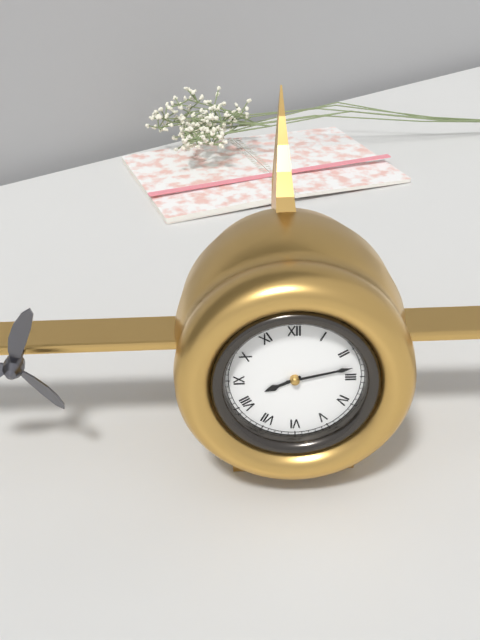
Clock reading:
8.13
